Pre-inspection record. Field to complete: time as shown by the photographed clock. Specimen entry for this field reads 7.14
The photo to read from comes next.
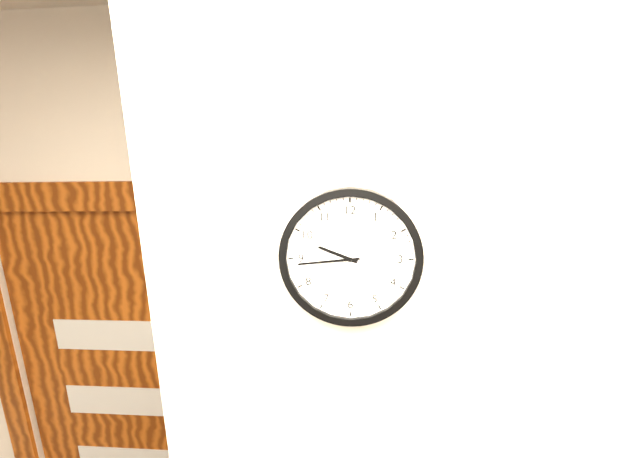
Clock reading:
9.44
